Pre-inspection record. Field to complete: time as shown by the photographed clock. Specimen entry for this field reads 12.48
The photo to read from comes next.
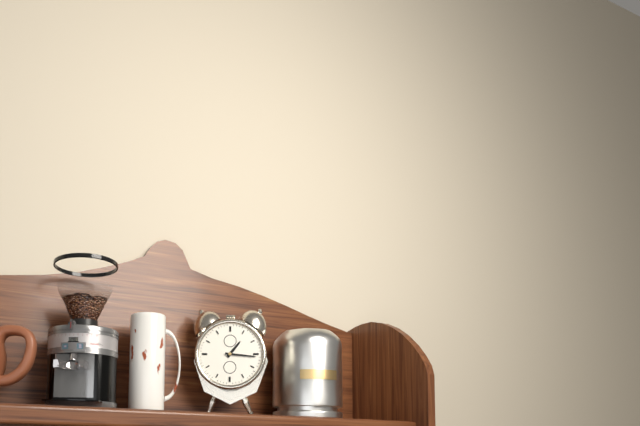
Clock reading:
1.16
